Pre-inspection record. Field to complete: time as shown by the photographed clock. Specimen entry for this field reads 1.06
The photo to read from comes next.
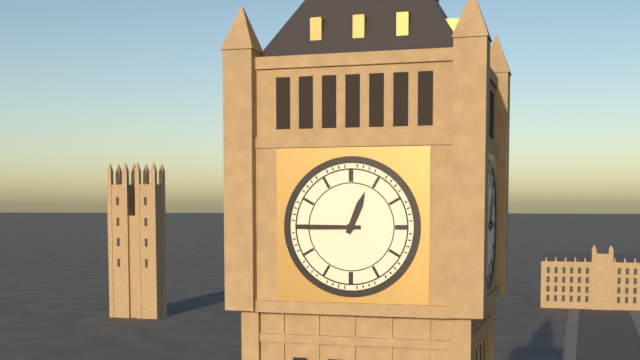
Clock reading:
12.45
